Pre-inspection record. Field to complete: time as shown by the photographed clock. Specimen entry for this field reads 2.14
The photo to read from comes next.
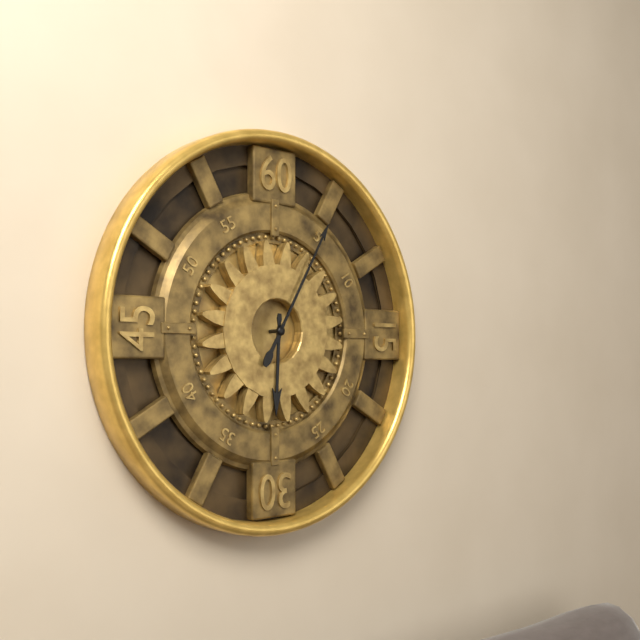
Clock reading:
6.05
